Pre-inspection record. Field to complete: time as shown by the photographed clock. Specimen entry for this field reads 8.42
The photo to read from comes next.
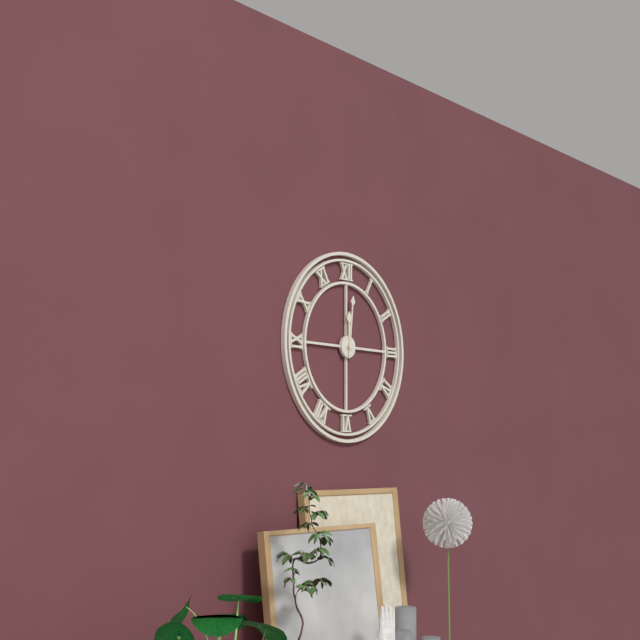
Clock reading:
12.01
